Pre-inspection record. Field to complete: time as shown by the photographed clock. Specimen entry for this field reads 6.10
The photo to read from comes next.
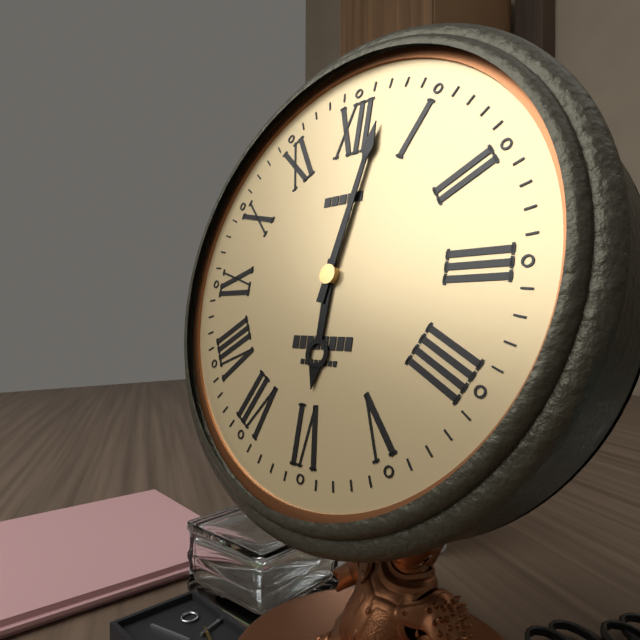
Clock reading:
6.02
